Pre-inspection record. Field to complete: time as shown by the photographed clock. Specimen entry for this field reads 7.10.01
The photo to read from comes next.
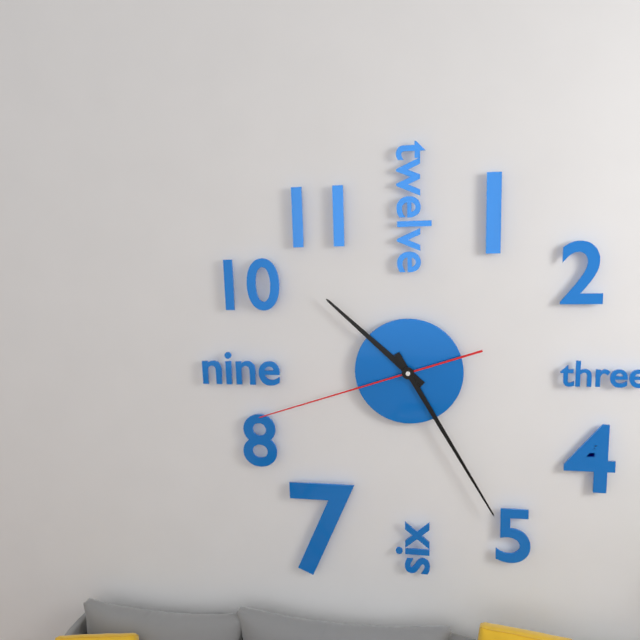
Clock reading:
10.25.42
